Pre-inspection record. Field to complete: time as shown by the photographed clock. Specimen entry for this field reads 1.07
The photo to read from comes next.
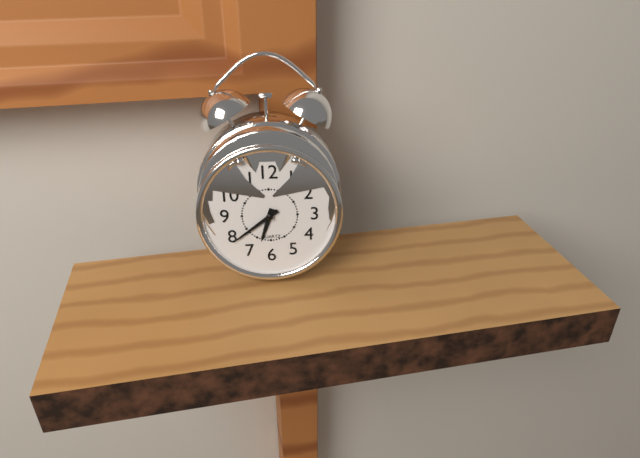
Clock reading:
6.39
